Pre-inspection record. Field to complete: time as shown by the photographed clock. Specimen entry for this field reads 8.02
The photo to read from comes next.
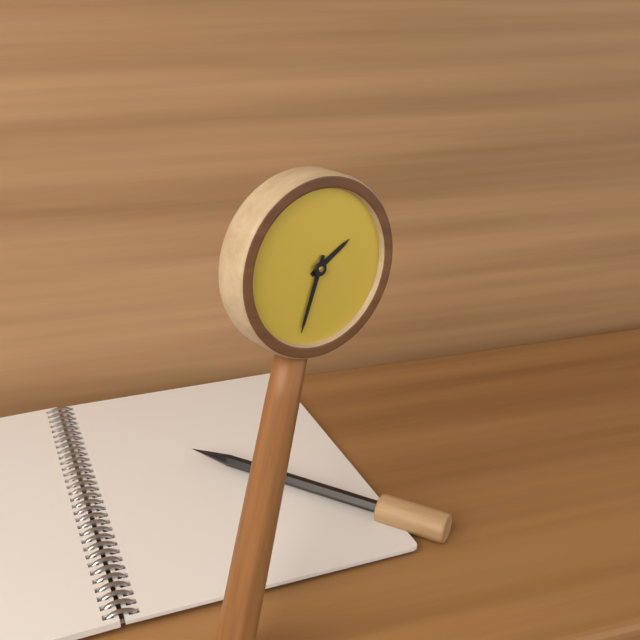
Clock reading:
1.31
